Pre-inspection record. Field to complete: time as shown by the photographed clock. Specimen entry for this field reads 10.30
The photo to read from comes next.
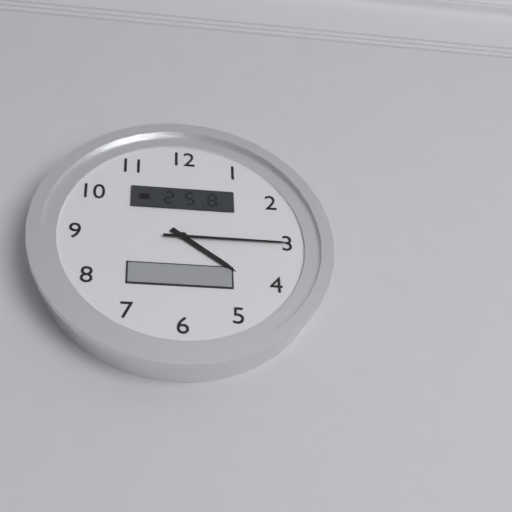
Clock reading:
4.15
